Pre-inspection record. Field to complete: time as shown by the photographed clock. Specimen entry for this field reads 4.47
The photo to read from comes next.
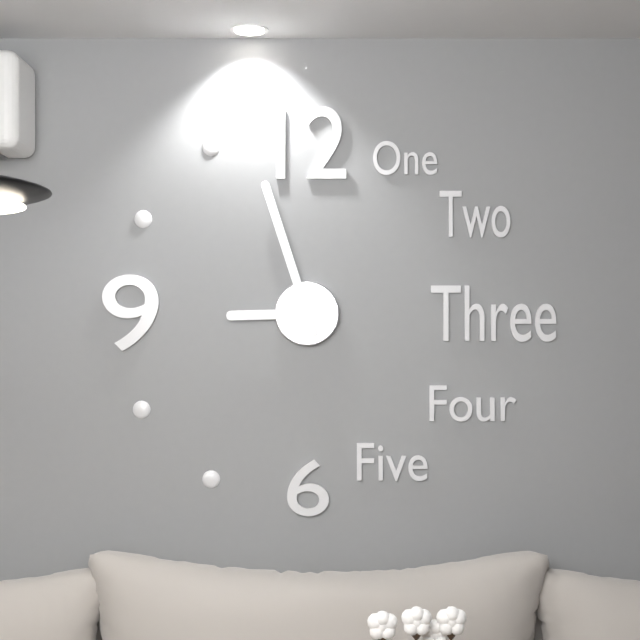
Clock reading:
8.57
